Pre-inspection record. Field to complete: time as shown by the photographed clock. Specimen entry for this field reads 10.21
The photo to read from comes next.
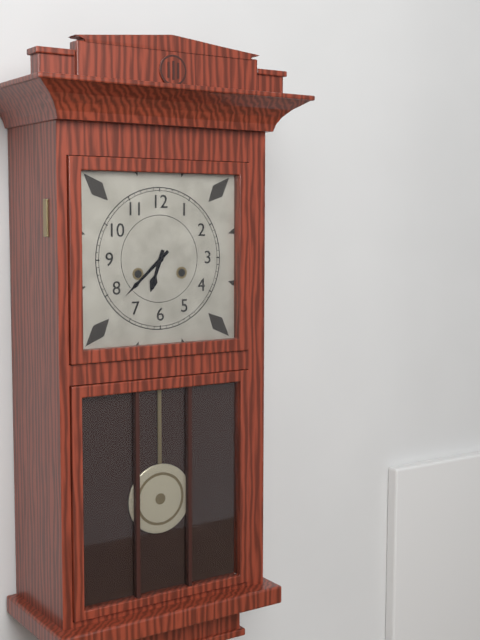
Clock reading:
6.38
